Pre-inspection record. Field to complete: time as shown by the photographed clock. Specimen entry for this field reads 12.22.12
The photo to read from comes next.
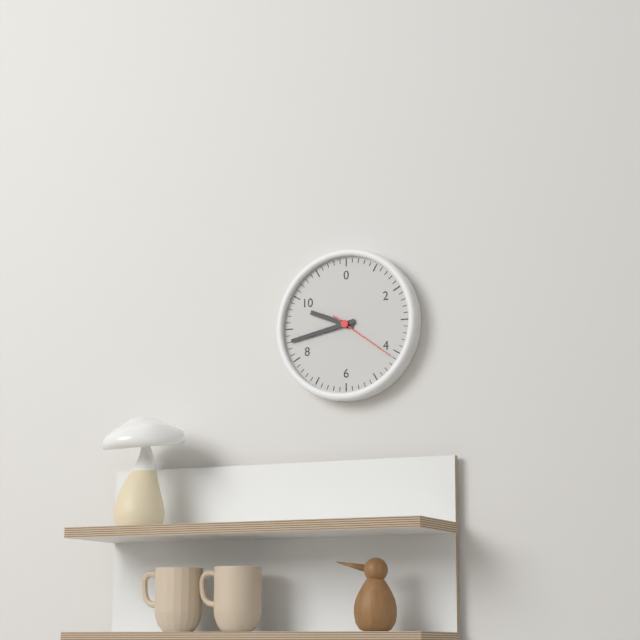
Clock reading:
9.43.21
